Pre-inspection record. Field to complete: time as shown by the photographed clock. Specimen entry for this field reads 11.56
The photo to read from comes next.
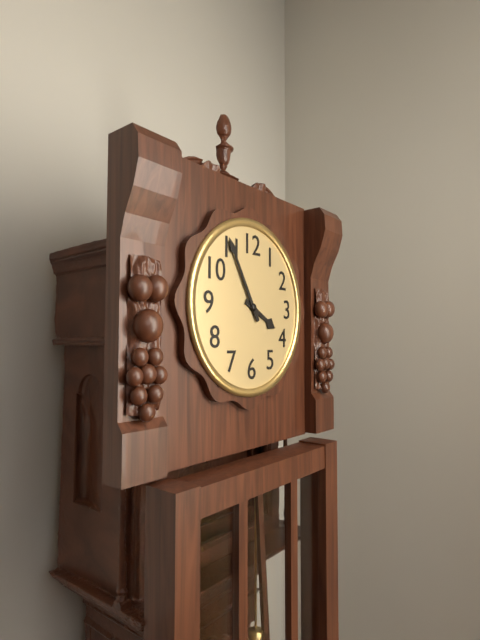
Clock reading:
3.55
